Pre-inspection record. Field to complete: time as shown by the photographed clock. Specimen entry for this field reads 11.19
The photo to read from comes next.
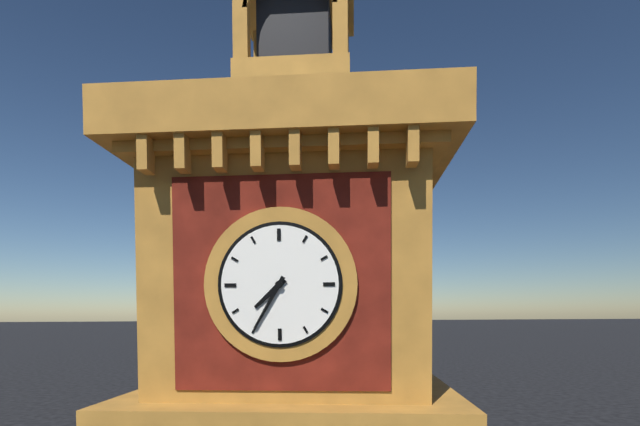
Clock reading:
7.35
